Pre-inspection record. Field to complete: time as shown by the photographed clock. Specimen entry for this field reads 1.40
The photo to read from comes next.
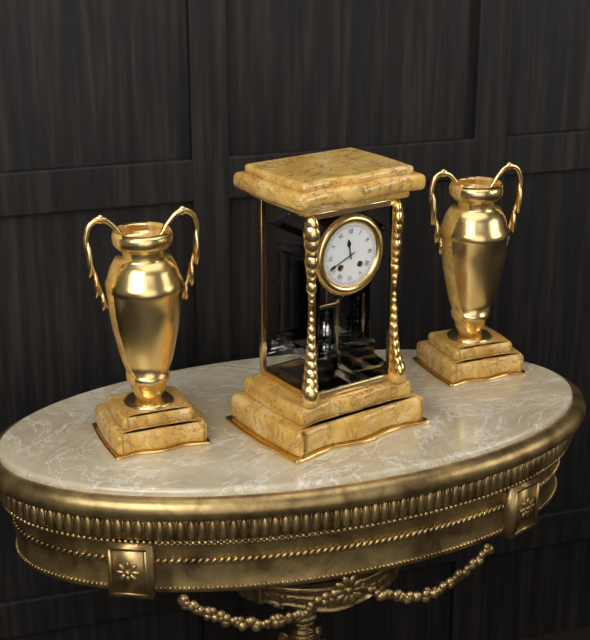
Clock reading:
11.41
